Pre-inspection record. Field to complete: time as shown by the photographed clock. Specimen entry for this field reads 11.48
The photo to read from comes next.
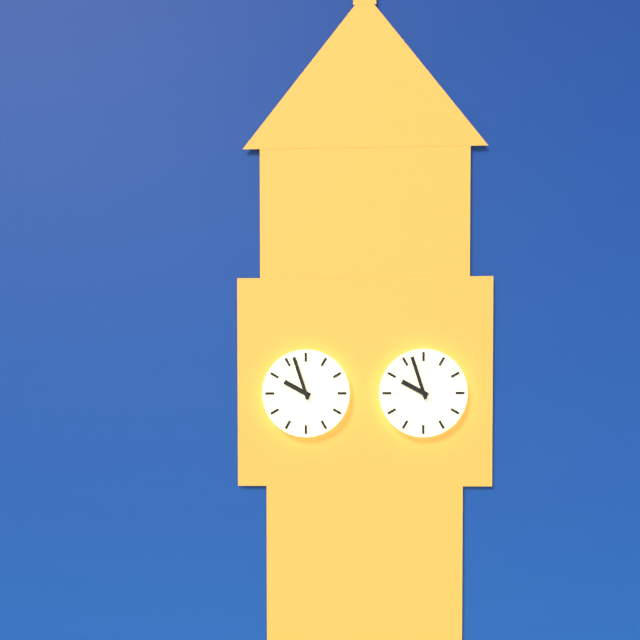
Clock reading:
9.57
